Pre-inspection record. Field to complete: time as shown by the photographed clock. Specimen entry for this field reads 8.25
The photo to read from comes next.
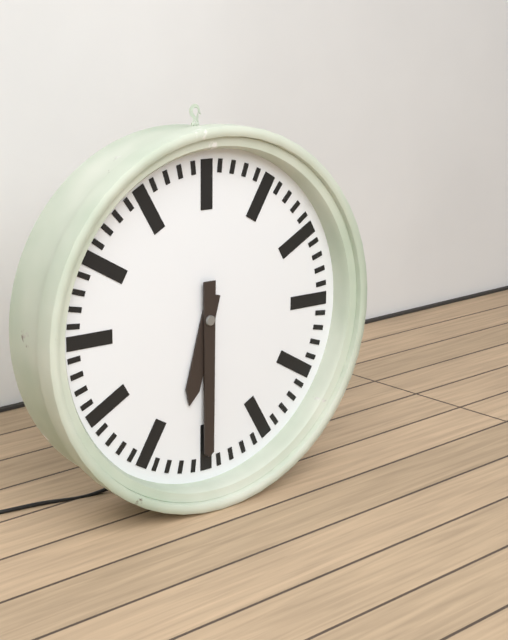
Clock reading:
6.30
